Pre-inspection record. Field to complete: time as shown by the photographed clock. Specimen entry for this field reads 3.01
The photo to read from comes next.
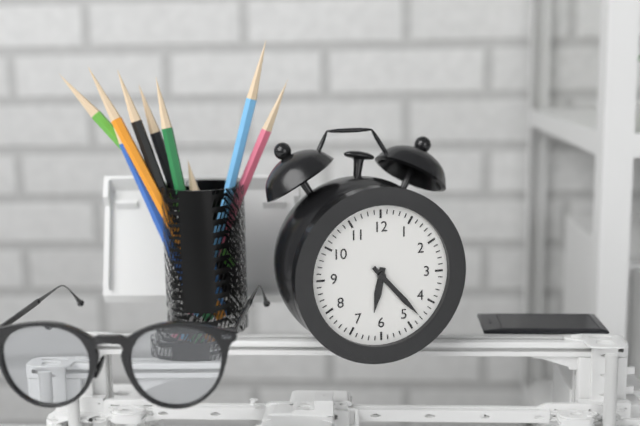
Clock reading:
6.23
